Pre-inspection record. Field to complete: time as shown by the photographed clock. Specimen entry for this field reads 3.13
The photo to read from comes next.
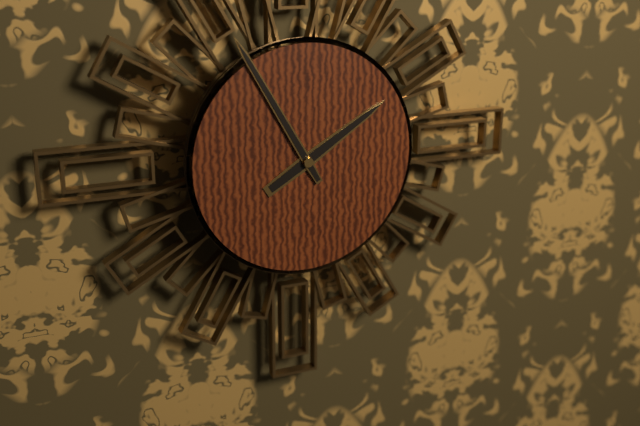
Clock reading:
1.55
